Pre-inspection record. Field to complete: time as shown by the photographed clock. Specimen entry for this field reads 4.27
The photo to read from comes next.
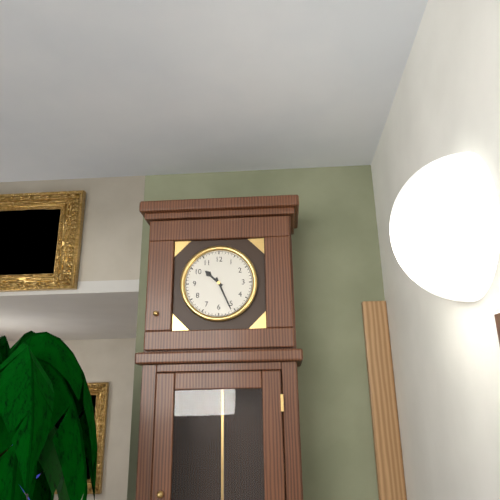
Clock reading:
10.26
